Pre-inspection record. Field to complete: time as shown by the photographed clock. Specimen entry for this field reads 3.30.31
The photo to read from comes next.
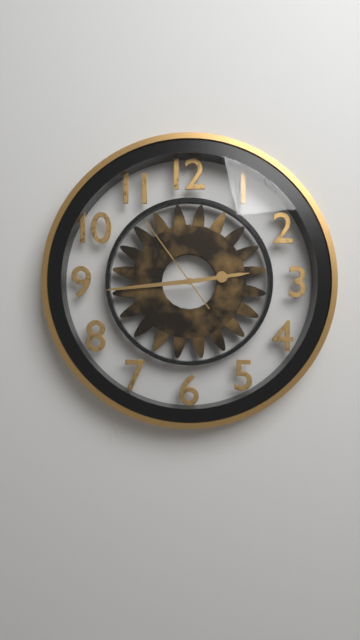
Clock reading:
2.44.54
